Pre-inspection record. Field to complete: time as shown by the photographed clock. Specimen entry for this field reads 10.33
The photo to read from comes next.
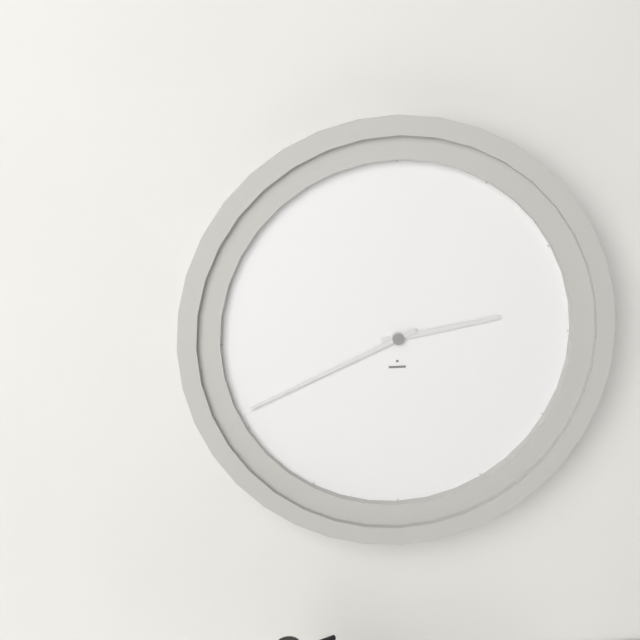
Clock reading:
2.41
